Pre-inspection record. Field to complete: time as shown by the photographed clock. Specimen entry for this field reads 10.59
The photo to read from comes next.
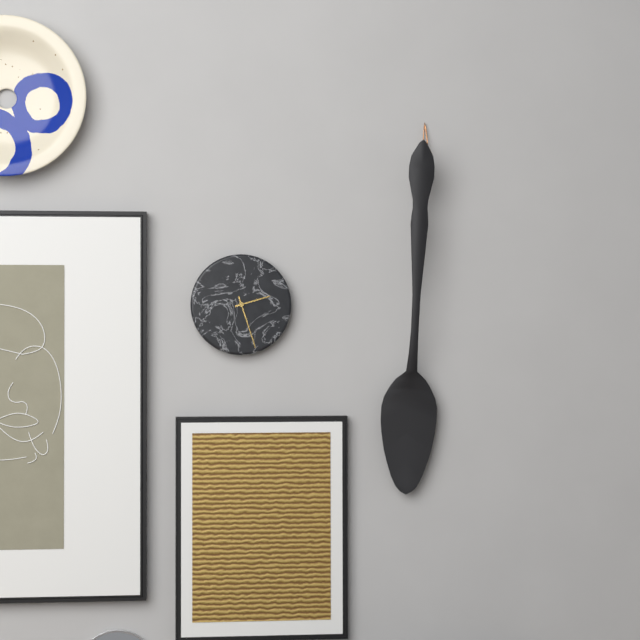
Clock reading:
2.27
